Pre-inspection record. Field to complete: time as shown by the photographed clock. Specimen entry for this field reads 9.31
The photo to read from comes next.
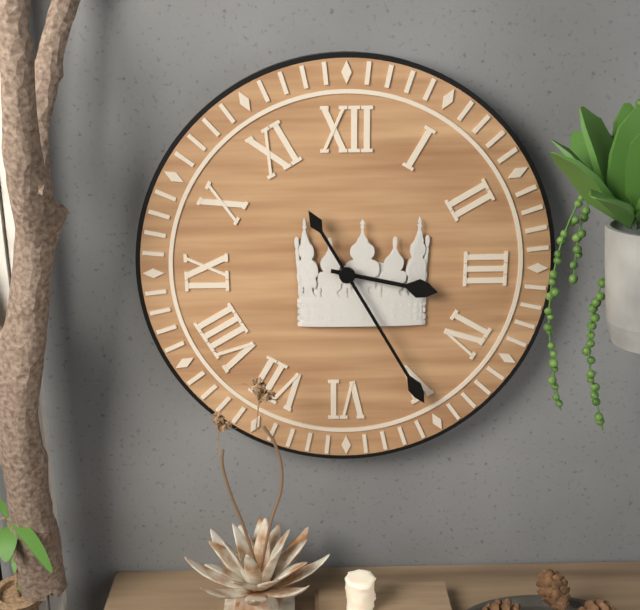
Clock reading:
3.25
